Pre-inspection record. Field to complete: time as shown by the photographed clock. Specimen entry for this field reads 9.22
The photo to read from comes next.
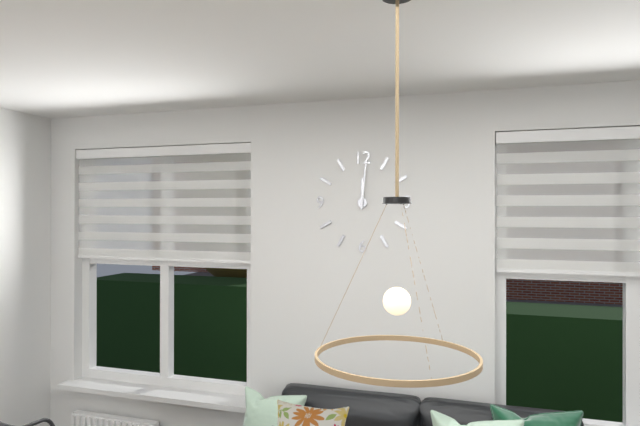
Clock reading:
12.01
